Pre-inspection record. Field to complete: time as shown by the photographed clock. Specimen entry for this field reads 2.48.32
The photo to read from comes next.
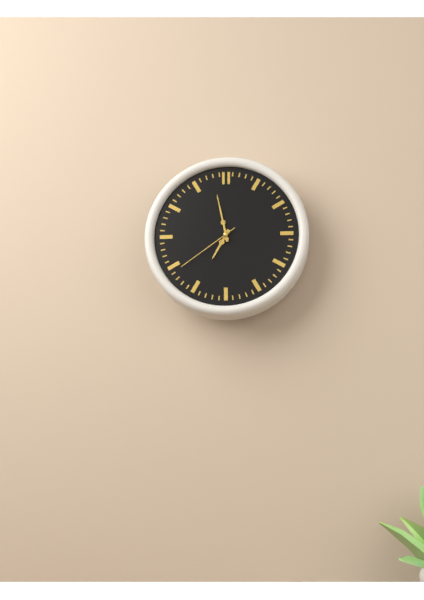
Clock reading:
6.58.39
